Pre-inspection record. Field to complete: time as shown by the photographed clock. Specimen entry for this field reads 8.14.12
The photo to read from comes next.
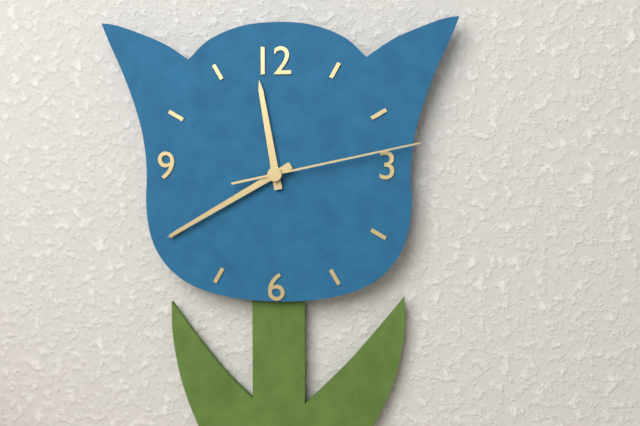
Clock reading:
11.40.13
